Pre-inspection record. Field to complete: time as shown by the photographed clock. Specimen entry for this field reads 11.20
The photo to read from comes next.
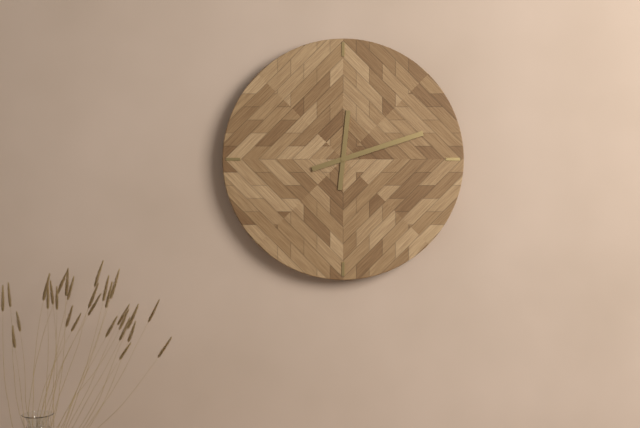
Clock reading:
12.12
